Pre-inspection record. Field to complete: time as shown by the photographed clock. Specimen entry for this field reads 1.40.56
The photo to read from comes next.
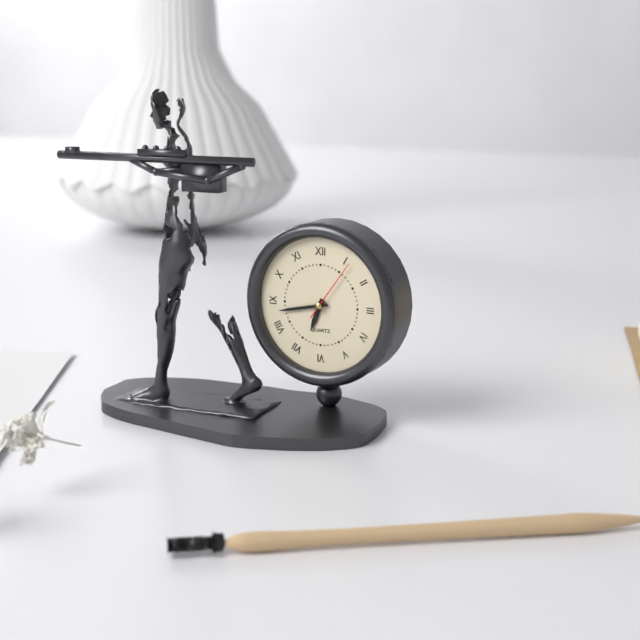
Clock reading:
6.43.06
